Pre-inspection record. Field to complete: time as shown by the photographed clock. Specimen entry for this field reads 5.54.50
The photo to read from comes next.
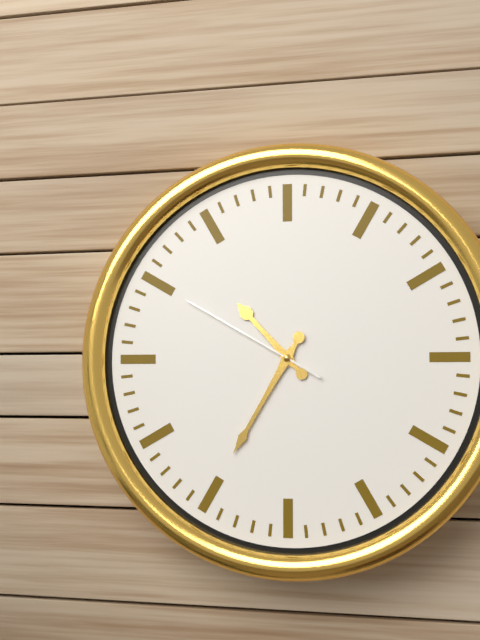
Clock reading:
10.35.50
